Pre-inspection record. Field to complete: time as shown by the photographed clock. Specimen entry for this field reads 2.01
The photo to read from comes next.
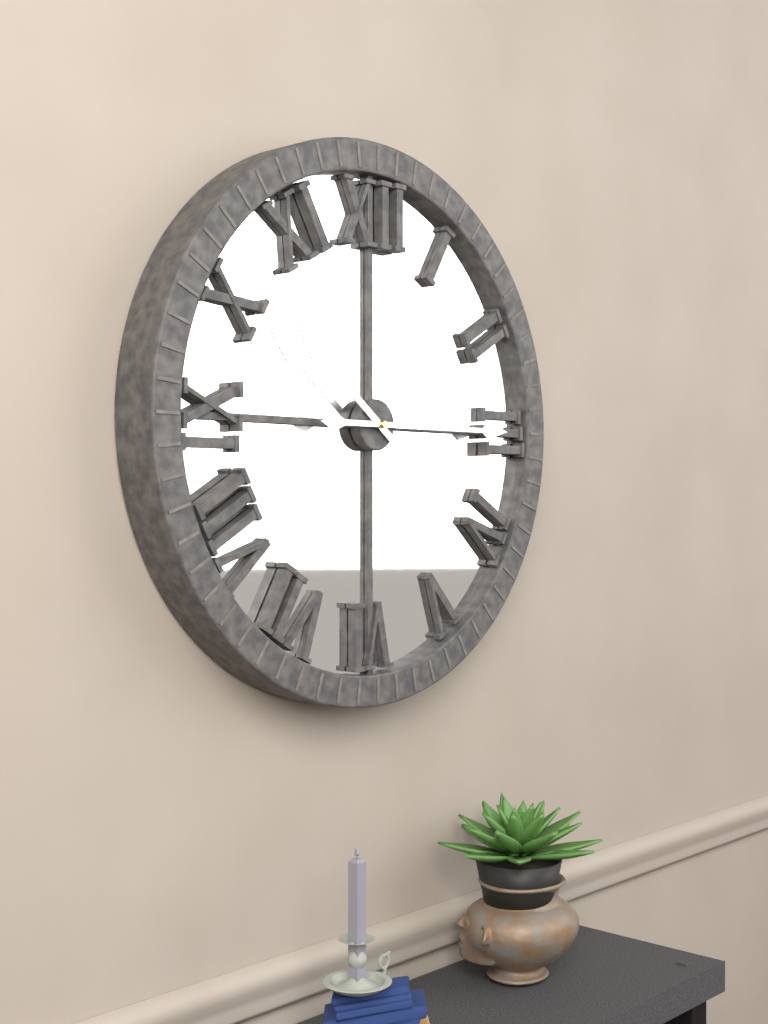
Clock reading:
10.15
